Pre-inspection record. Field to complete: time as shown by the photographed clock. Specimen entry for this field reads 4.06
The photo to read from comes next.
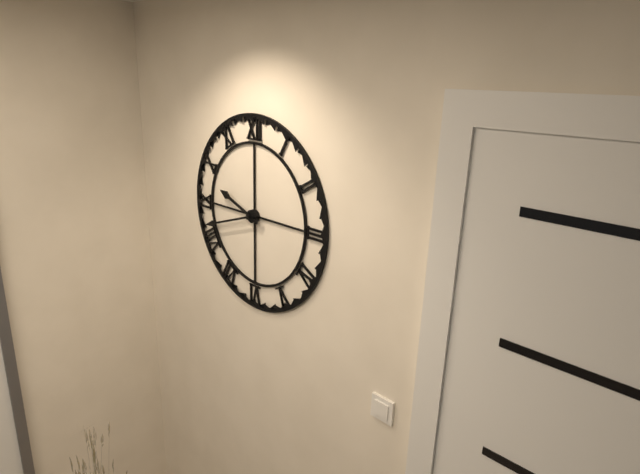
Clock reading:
9.42
